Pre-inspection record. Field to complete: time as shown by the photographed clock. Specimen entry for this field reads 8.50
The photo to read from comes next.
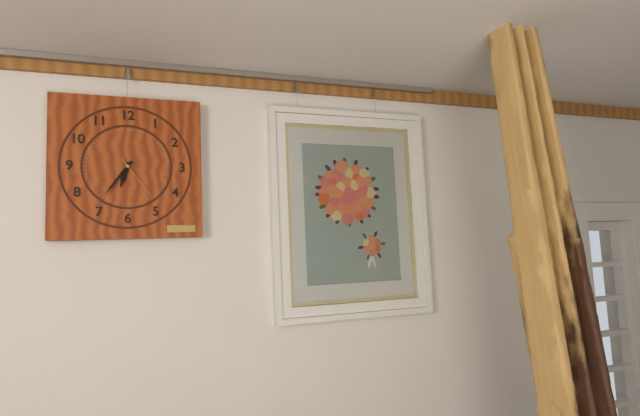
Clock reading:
6.36
